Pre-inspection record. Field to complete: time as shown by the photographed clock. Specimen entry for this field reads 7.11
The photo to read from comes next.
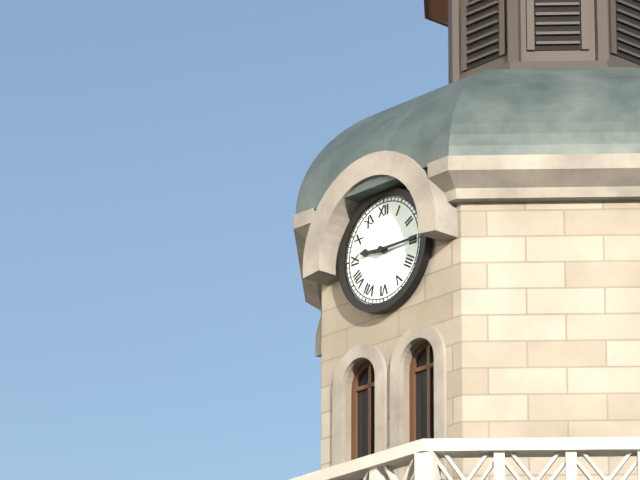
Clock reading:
9.15
